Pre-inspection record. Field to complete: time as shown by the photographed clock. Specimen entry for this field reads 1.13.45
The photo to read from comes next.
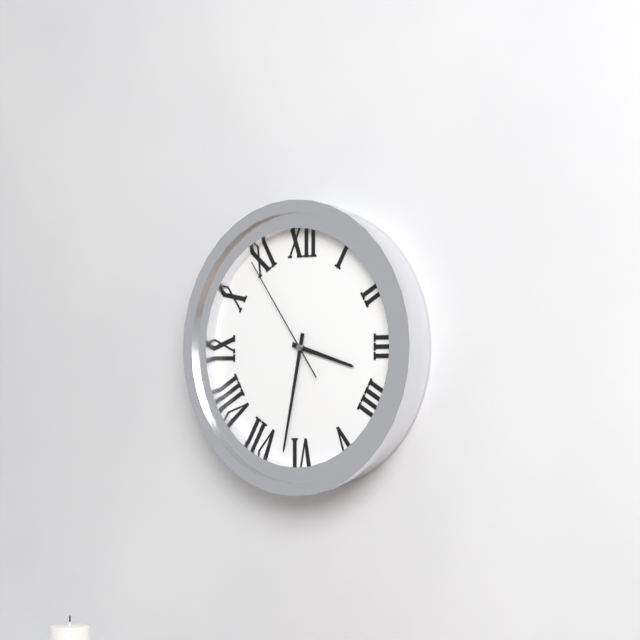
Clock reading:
3.32.54
